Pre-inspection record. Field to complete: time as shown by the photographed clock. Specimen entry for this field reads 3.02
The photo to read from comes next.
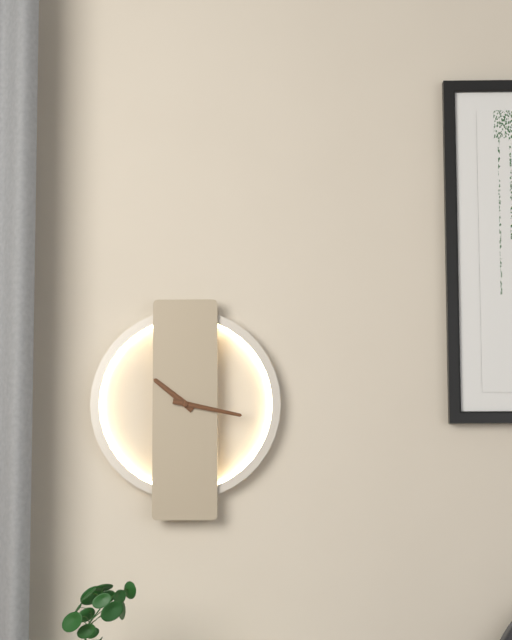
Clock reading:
10.17
